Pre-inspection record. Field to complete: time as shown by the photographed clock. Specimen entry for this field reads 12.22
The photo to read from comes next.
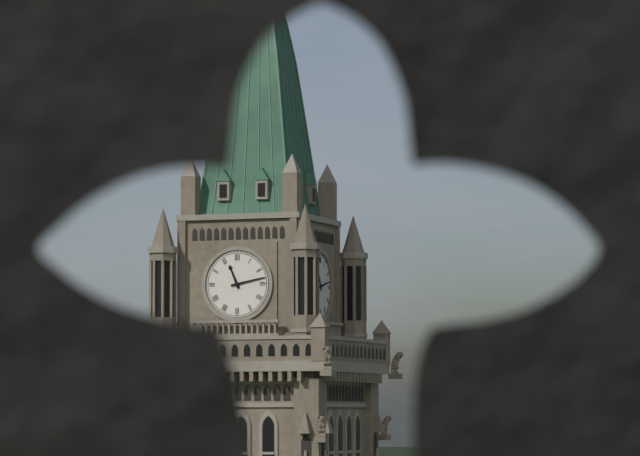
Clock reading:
11.13
